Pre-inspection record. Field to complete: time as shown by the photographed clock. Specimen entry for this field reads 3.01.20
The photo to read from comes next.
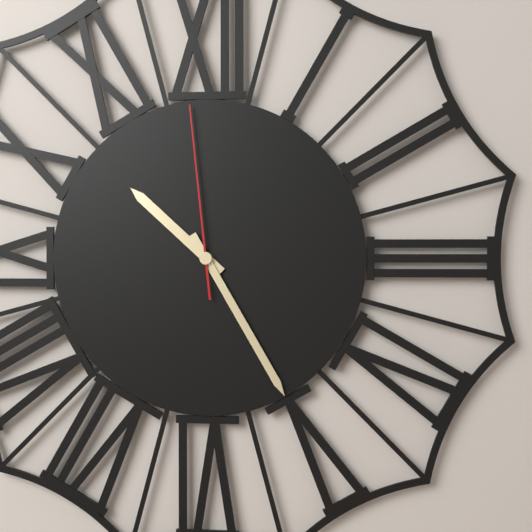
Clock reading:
10.25.59
